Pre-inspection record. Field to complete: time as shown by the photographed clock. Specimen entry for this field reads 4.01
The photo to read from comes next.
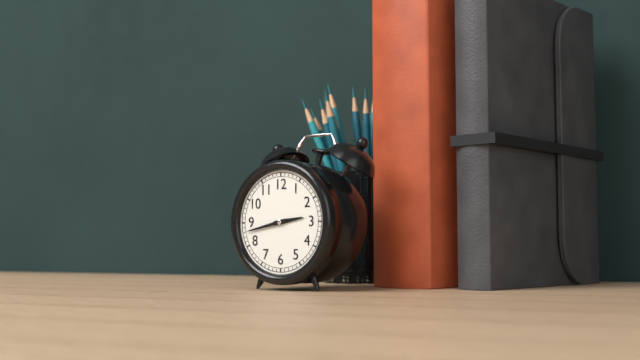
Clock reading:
2.43
